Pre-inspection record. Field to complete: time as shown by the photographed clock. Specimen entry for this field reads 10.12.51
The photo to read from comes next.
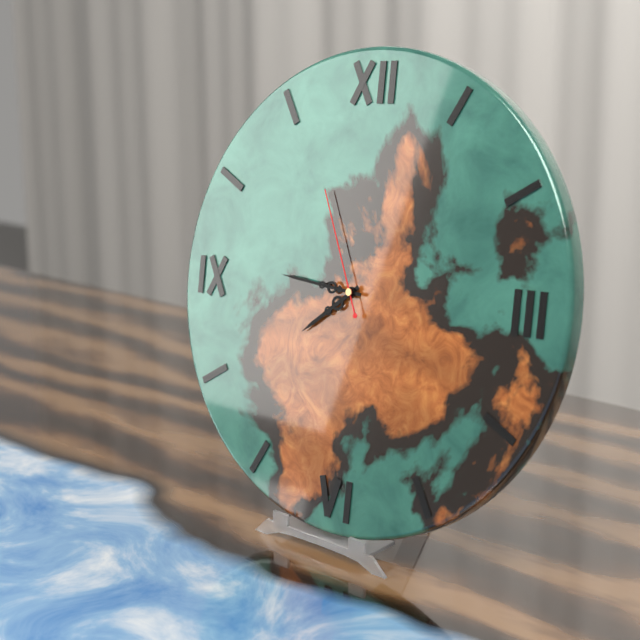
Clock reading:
7.46.56
